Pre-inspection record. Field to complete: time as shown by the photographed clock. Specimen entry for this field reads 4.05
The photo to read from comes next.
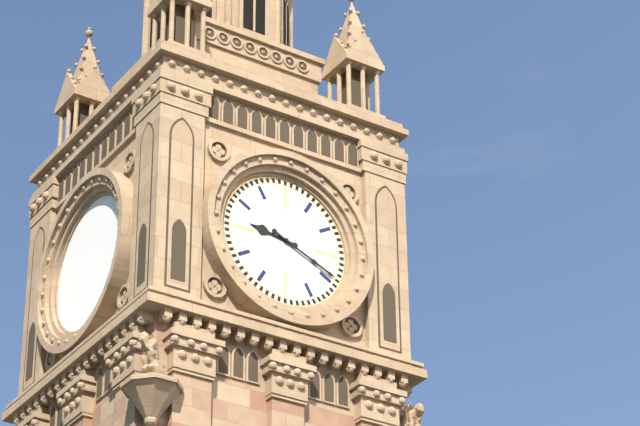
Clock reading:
9.19
